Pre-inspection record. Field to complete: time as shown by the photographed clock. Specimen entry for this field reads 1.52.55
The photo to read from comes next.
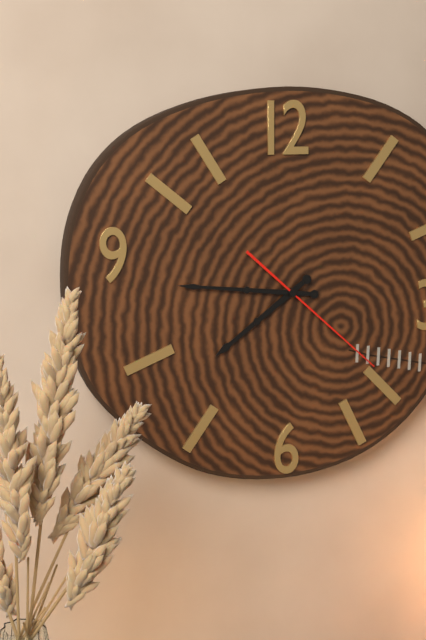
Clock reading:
7.46.22
